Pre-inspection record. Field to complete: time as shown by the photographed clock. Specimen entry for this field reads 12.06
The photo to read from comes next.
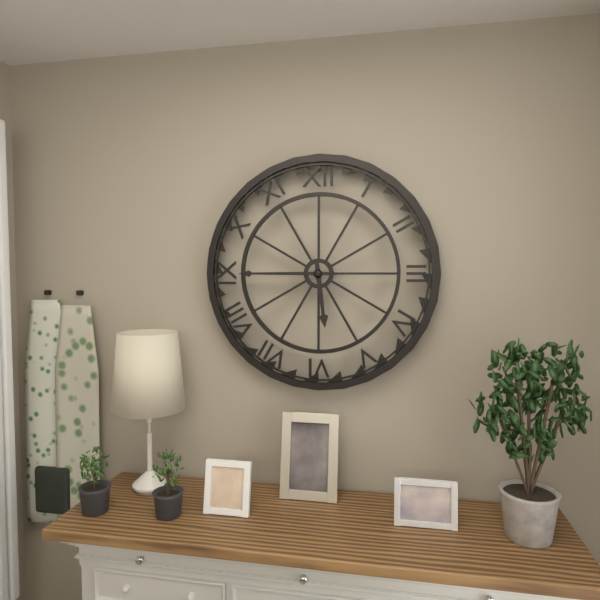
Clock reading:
5.45
